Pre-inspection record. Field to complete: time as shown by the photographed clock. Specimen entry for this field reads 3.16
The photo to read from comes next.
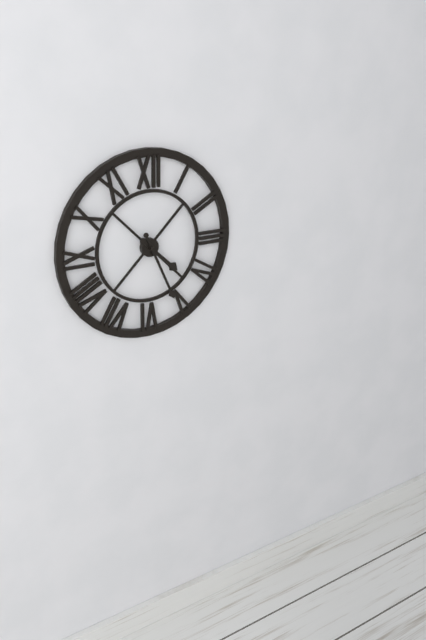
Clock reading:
4.26
